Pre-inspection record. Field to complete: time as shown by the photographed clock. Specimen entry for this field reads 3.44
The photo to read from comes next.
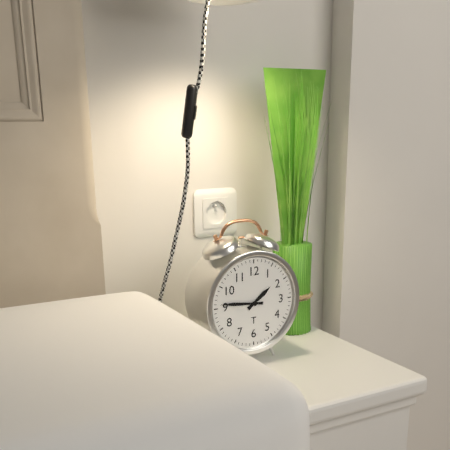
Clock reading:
1.46
